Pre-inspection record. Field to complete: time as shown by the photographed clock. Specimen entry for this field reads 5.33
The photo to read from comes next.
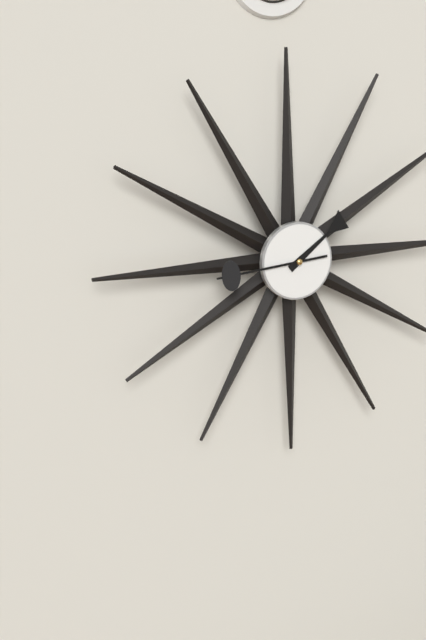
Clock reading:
1.44
